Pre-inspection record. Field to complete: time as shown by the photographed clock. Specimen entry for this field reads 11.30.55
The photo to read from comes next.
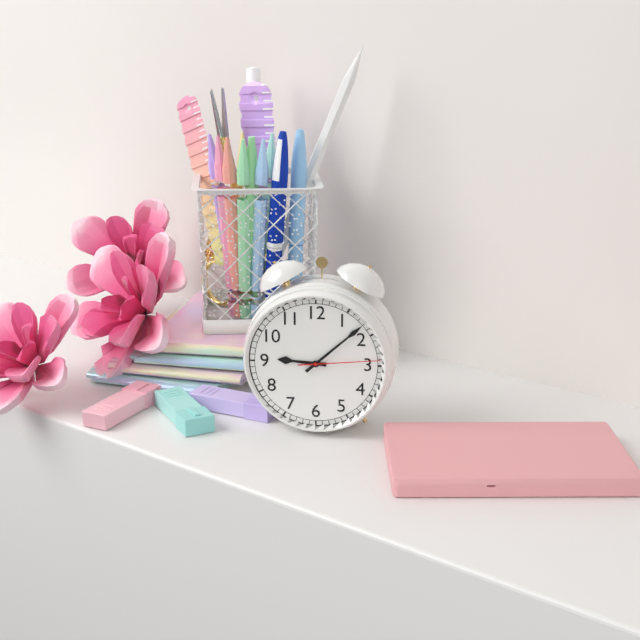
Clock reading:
9.08.14
